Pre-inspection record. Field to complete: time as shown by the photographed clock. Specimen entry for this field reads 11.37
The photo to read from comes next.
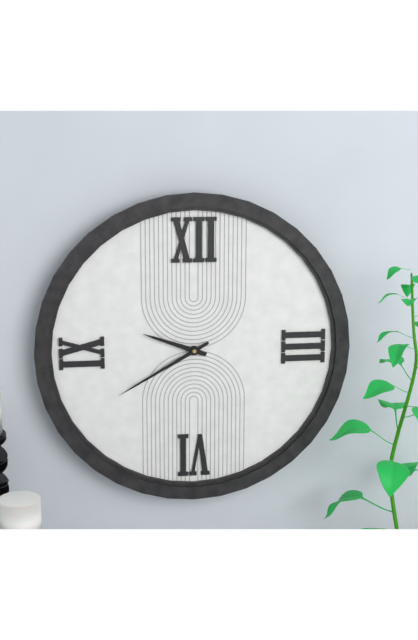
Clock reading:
9.40
